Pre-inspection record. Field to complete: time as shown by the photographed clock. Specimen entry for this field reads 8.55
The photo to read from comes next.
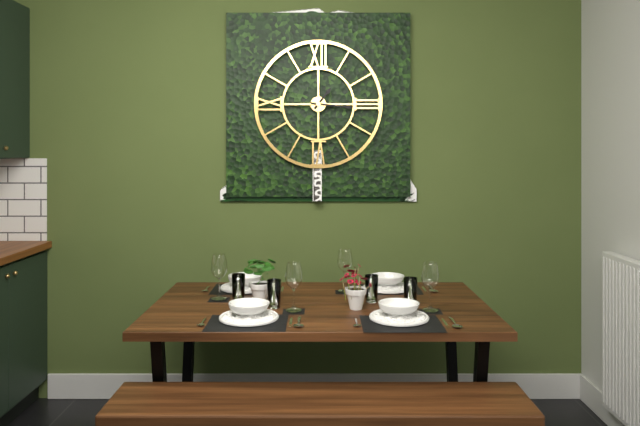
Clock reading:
1.16
